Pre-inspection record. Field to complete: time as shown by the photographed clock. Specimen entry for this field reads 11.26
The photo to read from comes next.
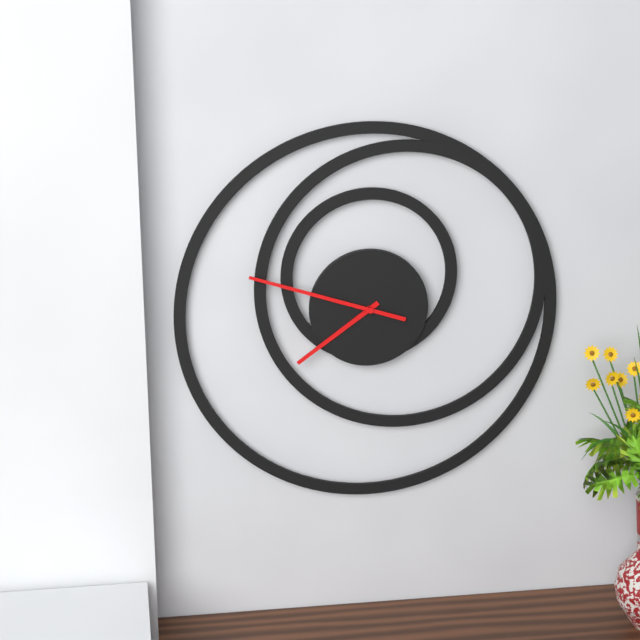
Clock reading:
7.48
